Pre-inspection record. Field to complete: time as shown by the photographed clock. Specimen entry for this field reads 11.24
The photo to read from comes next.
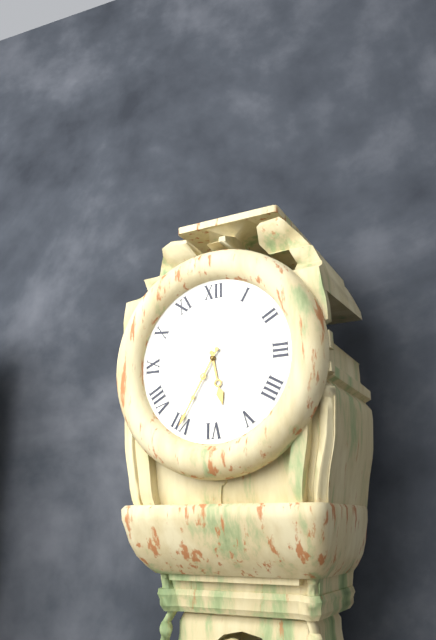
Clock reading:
5.35
